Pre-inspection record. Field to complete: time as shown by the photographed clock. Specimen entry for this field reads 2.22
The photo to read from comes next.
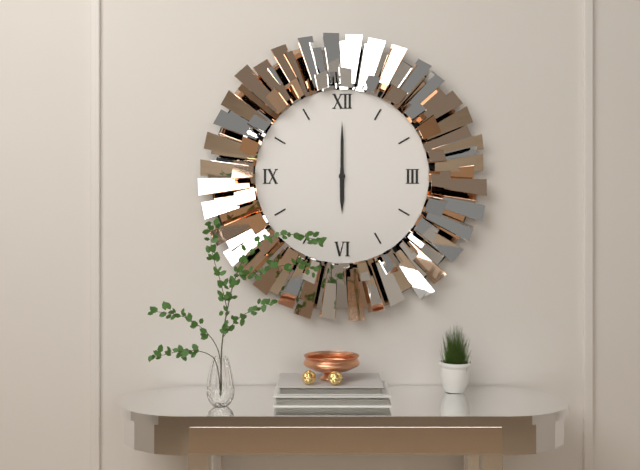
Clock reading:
6.00
